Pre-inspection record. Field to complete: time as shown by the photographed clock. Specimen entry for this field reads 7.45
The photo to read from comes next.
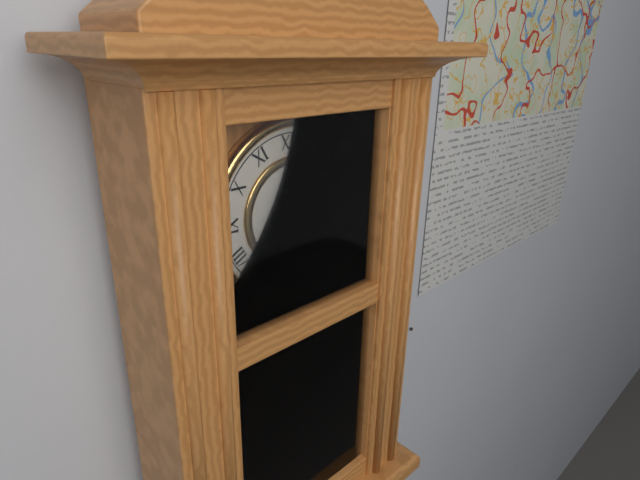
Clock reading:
7.16
